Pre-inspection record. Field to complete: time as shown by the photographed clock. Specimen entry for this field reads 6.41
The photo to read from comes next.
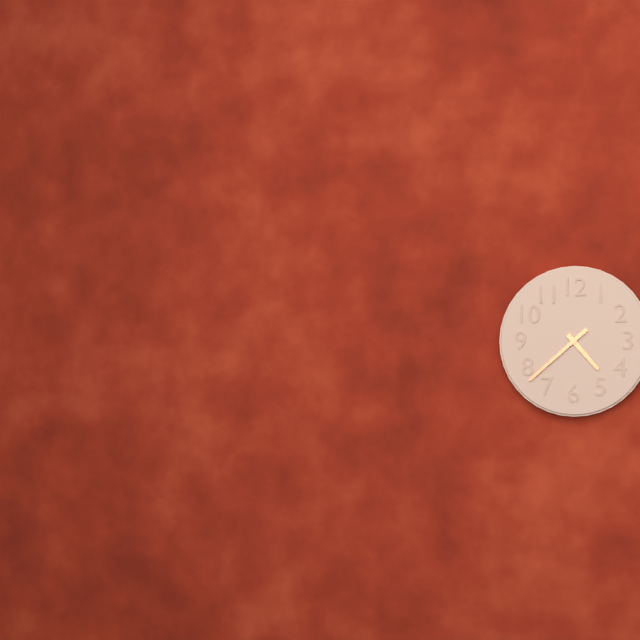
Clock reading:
4.38
